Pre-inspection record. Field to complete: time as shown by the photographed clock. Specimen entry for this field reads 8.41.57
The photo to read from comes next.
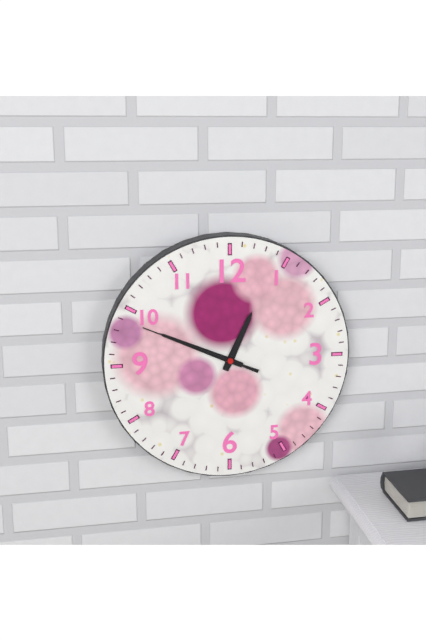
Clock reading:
12.49.49
